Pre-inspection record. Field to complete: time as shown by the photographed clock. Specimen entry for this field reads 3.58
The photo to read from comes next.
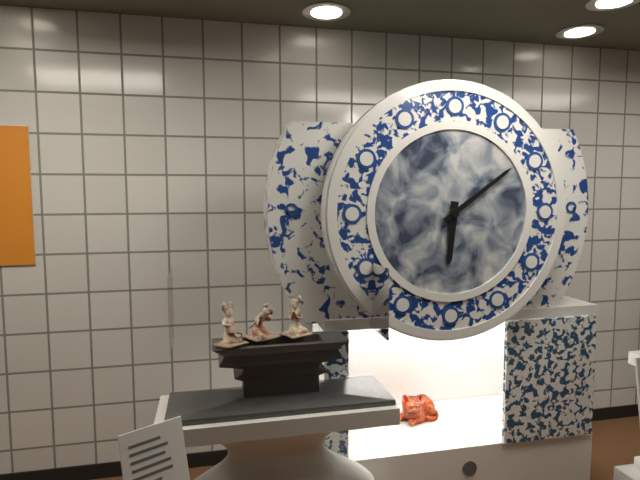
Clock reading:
6.09
